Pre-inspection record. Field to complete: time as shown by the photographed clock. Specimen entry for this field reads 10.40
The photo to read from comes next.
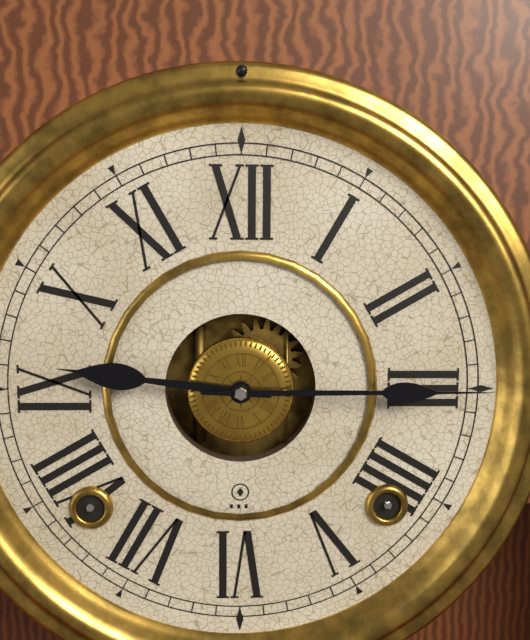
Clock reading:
9.15
